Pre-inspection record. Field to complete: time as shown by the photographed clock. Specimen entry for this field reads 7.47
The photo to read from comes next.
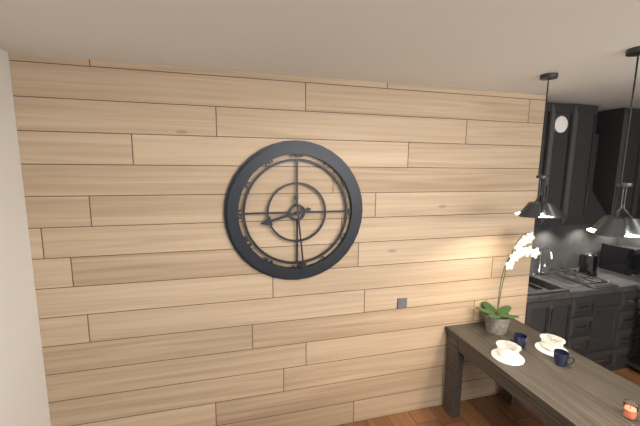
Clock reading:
8.29
